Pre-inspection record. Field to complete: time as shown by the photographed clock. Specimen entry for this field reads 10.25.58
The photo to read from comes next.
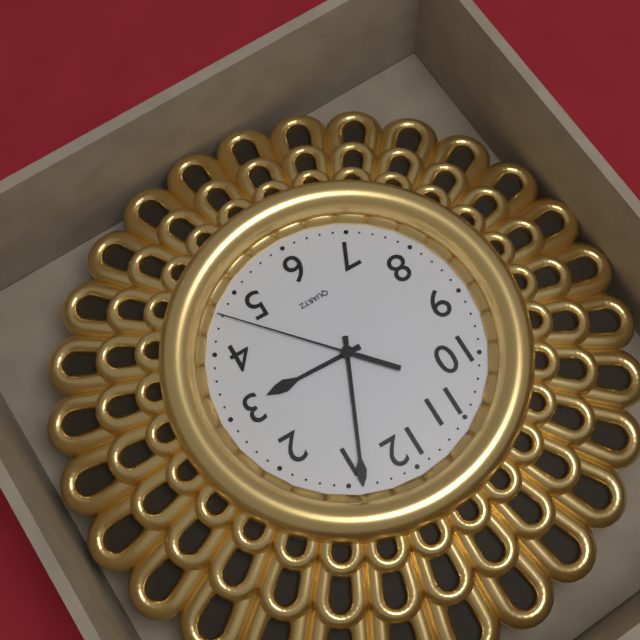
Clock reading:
3.04.23
